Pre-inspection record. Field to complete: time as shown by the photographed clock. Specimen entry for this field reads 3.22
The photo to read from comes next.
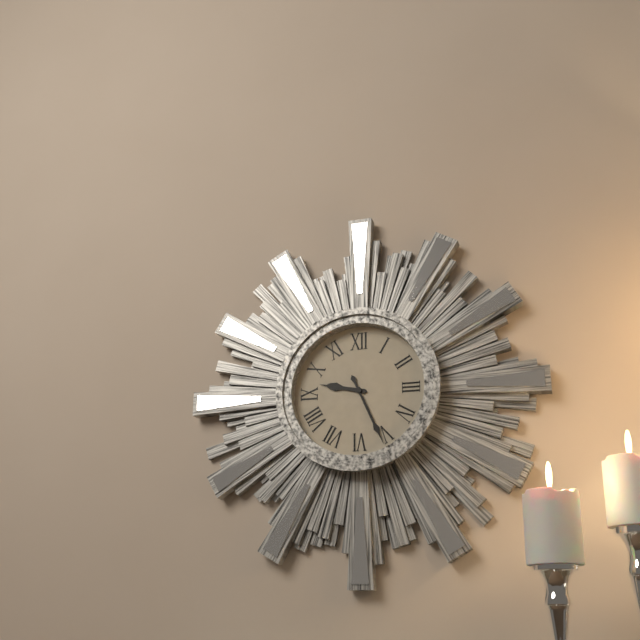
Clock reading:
9.26
